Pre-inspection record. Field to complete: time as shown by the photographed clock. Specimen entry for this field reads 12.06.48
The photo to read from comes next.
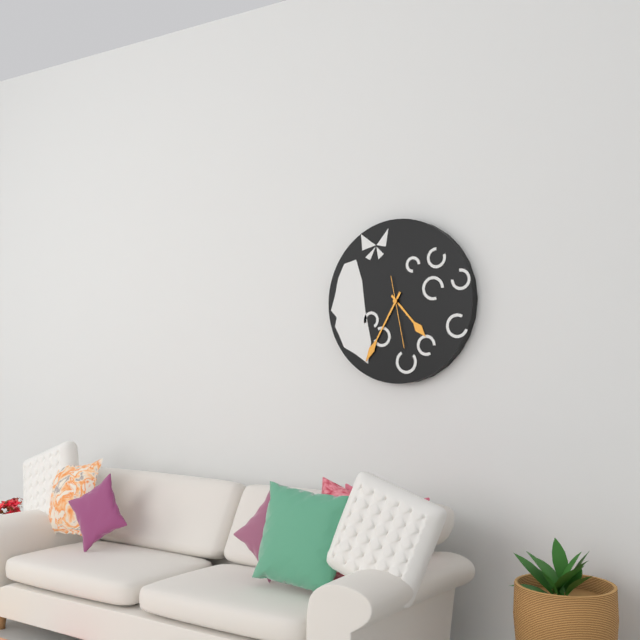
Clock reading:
4.35.28
